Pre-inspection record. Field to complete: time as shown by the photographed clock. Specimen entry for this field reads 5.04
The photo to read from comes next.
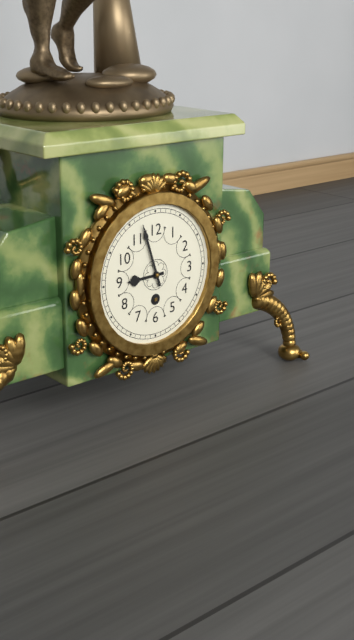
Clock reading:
8.57
